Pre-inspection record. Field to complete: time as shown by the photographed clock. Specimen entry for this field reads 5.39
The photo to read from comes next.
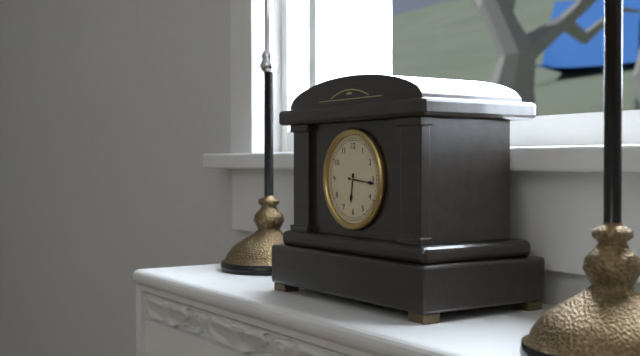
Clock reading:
6.16
